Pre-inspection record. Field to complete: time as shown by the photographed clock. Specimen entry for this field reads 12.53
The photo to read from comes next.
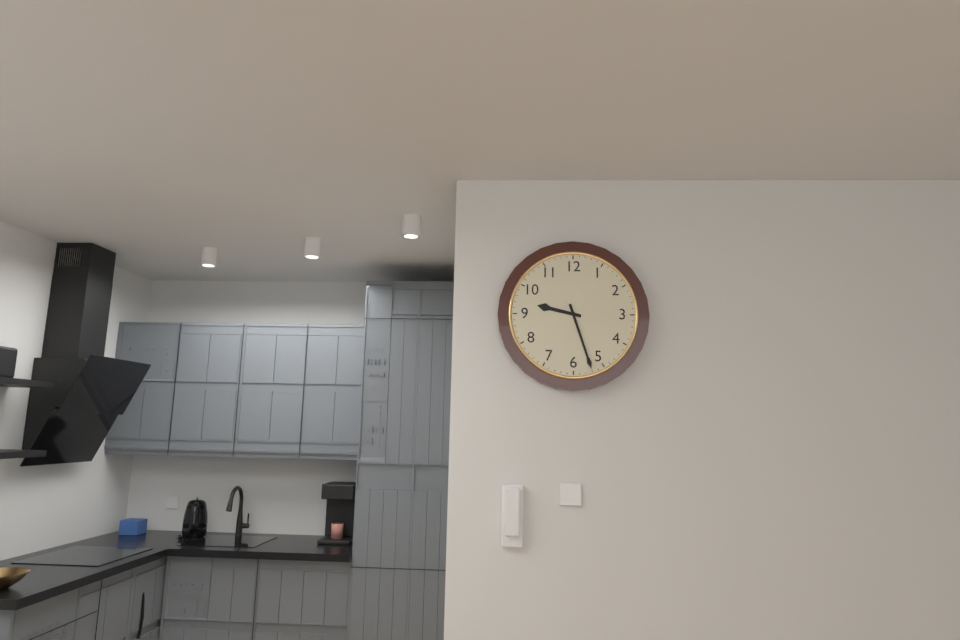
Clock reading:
9.27
